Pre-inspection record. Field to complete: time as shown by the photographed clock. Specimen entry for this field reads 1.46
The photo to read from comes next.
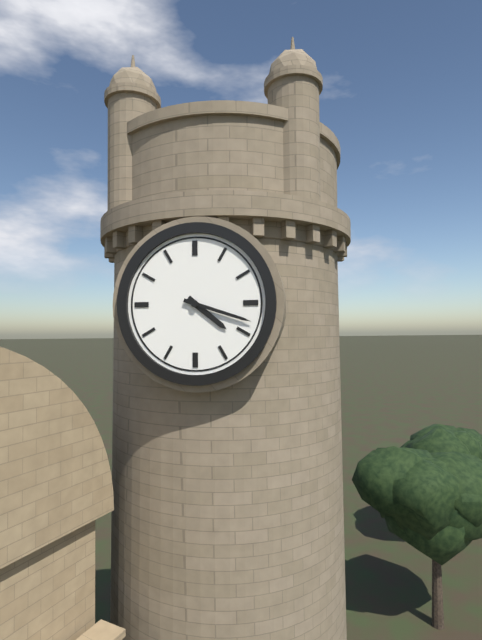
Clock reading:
4.18
